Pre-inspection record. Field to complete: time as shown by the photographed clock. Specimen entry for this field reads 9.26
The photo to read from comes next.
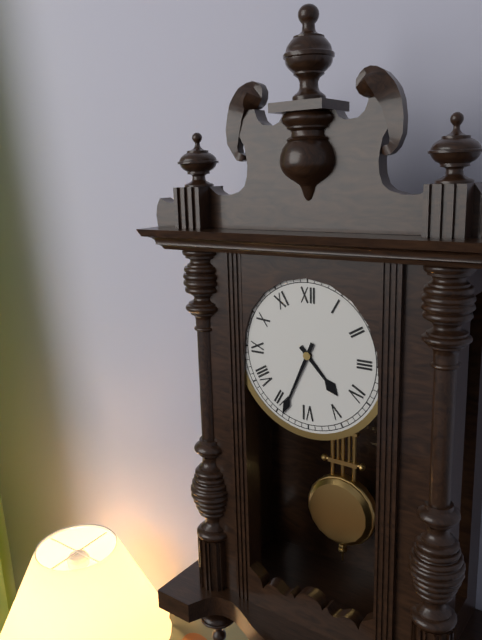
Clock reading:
4.34
